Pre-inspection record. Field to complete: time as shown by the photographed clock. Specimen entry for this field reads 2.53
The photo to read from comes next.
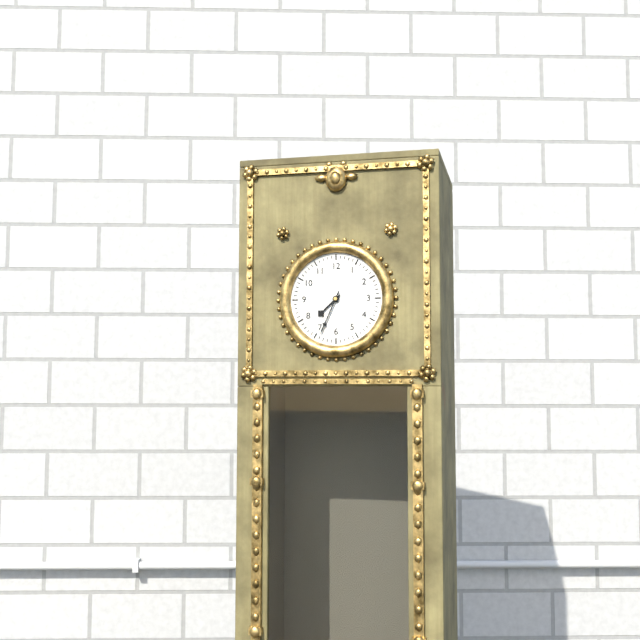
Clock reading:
7.34
